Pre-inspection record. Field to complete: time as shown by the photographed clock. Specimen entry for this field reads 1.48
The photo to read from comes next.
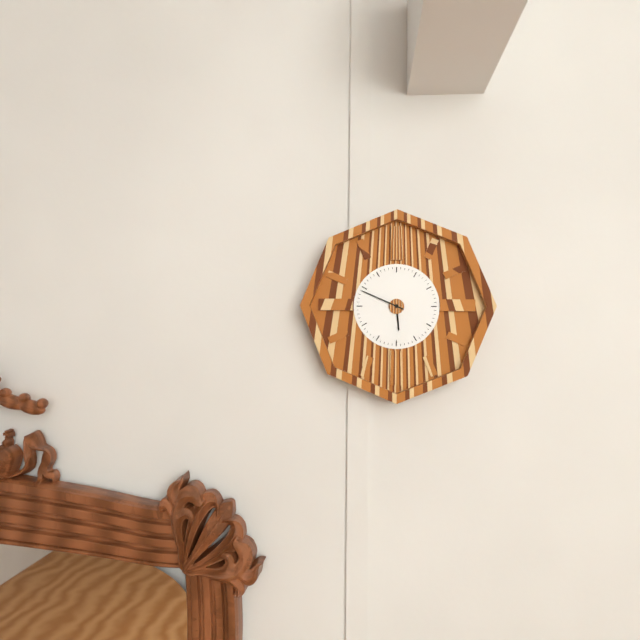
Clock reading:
5.49
